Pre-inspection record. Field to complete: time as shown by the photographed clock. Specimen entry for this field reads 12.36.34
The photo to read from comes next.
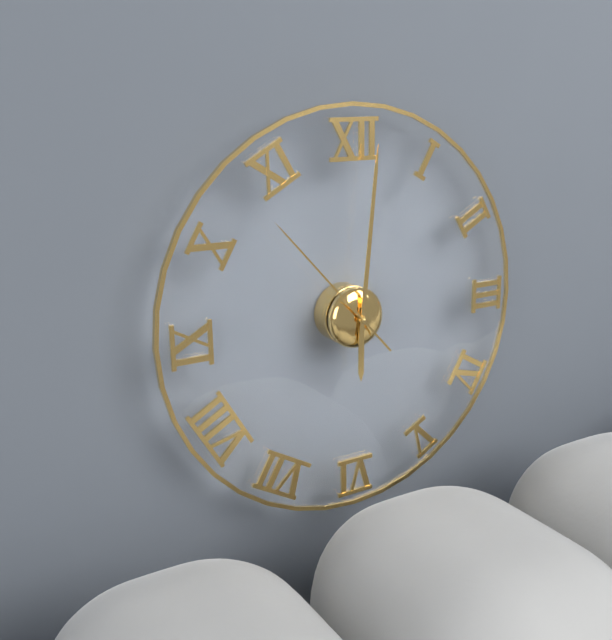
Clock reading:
6.01.53
